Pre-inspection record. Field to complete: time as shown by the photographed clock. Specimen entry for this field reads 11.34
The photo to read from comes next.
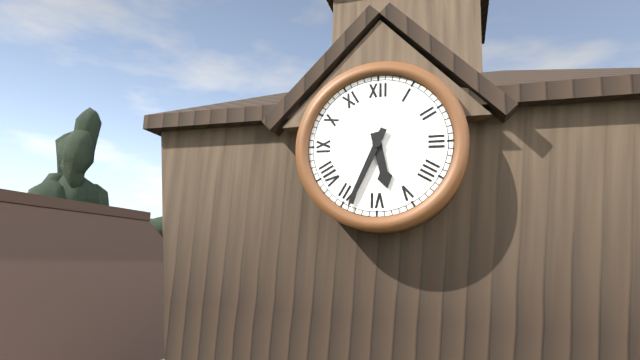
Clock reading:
5.34
